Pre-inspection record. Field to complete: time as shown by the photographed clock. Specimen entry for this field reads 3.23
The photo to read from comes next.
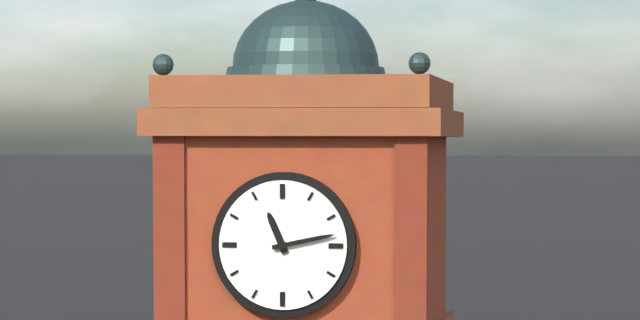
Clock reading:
11.13
